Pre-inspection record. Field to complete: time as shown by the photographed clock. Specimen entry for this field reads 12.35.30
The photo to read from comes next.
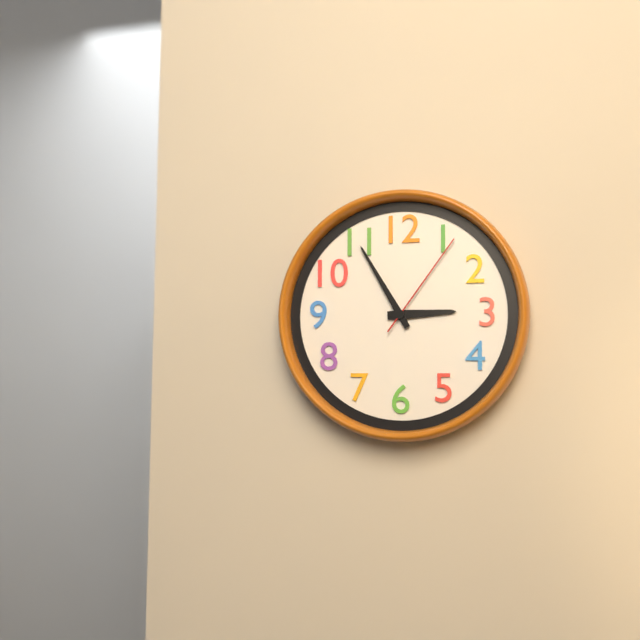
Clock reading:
2.55.06
